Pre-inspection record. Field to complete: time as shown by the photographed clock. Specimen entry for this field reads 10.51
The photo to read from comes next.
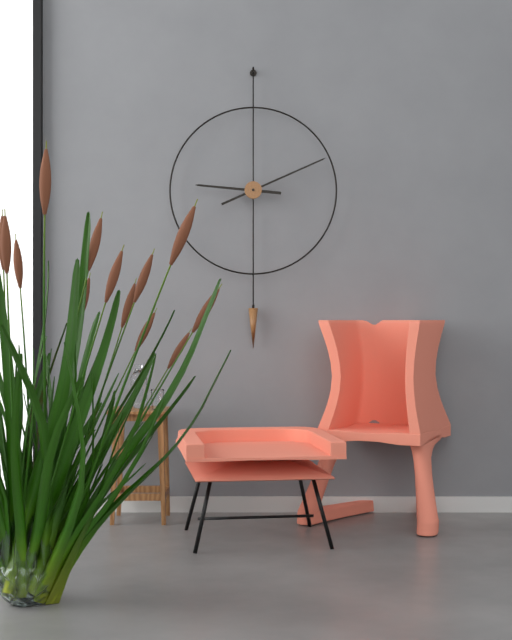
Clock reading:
9.11
